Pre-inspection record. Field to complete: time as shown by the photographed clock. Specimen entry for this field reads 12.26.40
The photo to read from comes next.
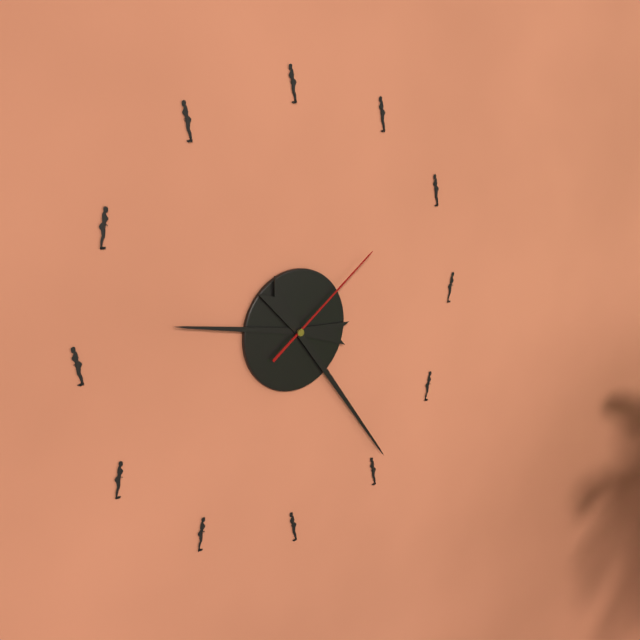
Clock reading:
9.24.09
